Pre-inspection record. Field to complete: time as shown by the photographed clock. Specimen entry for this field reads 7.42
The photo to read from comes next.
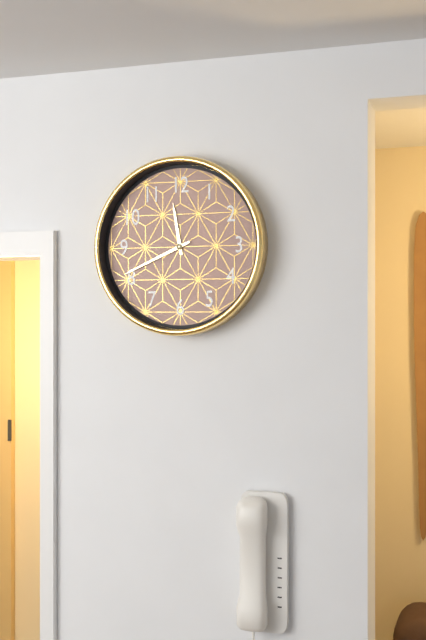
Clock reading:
11.41
